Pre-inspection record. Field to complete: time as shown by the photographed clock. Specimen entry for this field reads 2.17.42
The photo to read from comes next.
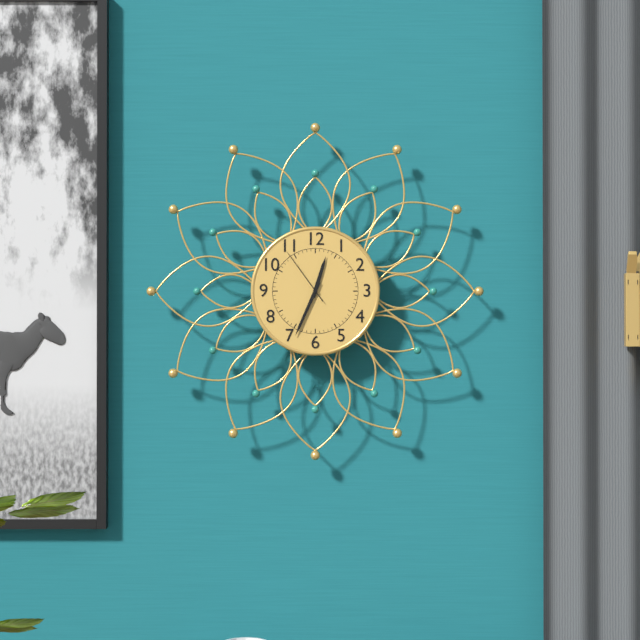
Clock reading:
12.34.54
